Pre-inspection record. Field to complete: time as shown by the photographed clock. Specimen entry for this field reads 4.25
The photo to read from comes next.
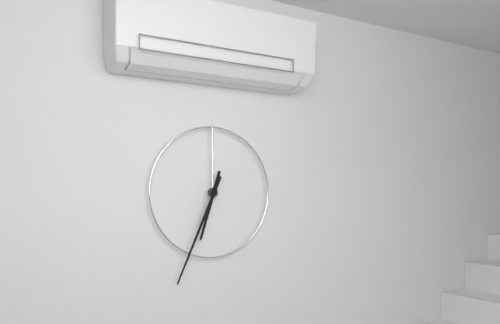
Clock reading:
6.34
